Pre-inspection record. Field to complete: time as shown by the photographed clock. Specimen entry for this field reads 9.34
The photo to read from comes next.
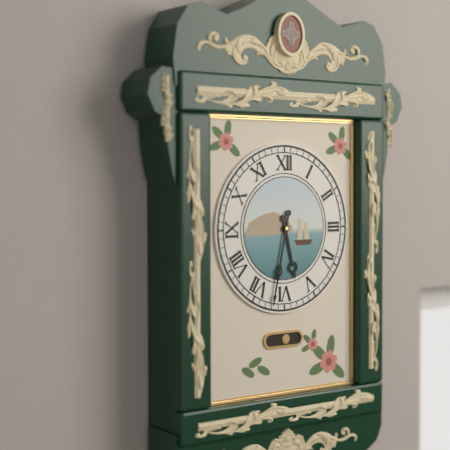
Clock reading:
5.32
